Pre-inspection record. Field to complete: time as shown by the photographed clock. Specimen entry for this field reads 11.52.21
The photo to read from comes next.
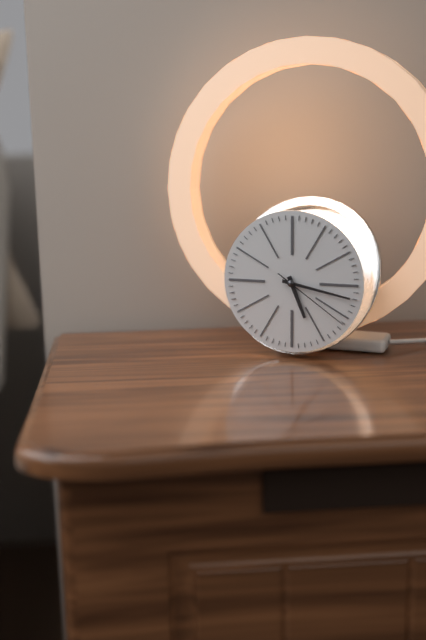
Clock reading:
5.17.21
